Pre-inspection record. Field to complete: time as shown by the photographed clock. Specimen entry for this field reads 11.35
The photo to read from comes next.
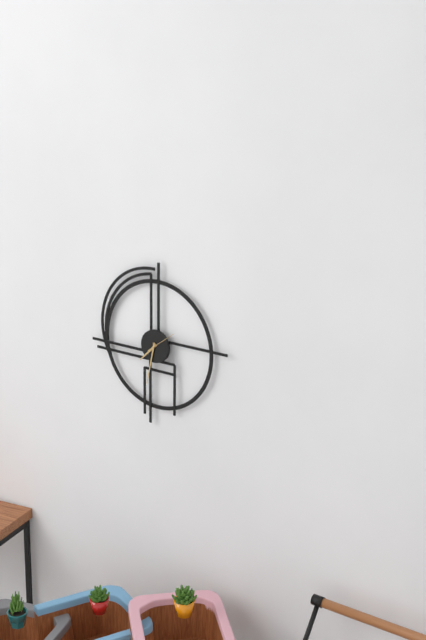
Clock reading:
7.32
